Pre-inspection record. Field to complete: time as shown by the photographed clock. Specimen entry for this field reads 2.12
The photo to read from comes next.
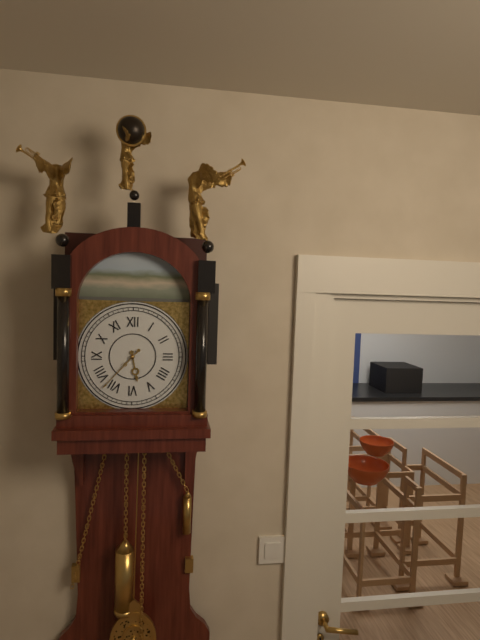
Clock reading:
5.37
